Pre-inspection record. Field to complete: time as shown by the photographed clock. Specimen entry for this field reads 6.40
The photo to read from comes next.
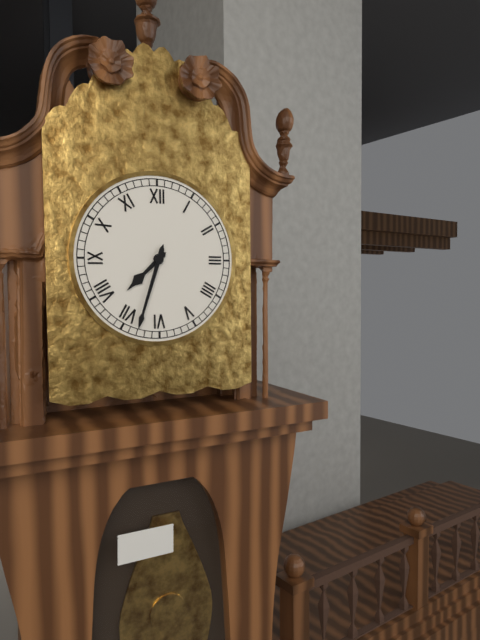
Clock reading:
7.33
